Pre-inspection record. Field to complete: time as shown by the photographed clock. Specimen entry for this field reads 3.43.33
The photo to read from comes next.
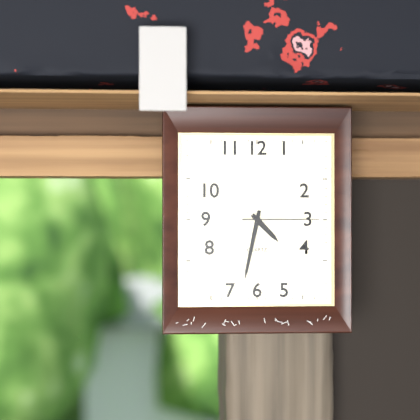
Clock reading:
4.32.15
